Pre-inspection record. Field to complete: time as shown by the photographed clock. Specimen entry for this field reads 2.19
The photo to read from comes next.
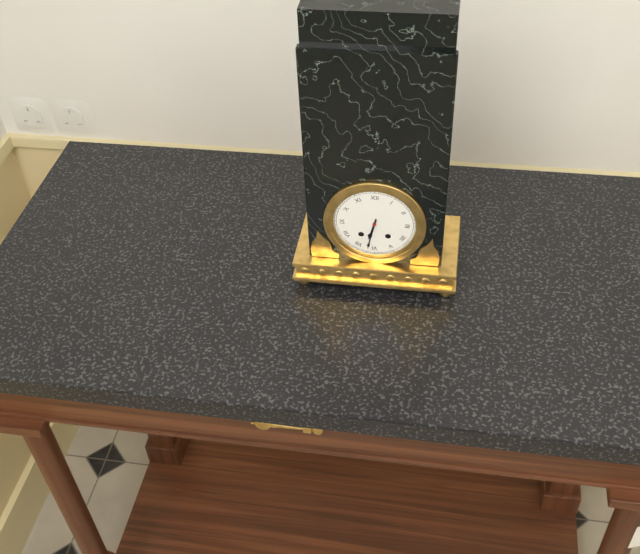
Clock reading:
6.32
